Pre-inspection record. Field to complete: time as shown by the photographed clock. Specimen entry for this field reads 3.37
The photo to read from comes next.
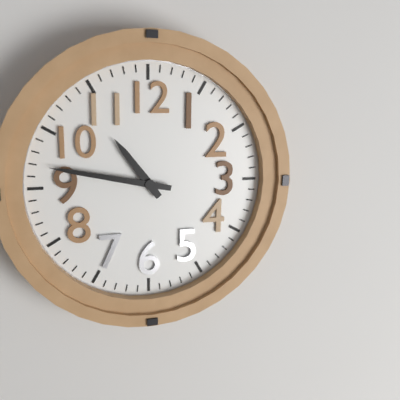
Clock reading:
10.47
